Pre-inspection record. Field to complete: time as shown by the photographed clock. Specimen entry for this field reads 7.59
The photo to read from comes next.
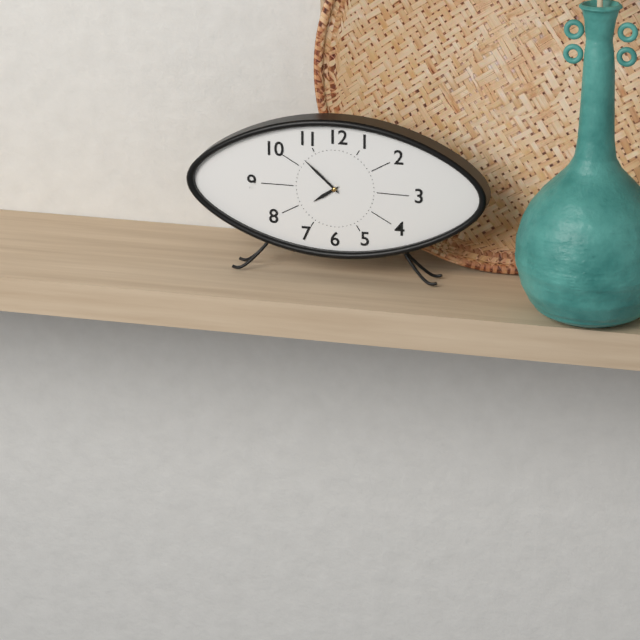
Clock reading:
7.52
